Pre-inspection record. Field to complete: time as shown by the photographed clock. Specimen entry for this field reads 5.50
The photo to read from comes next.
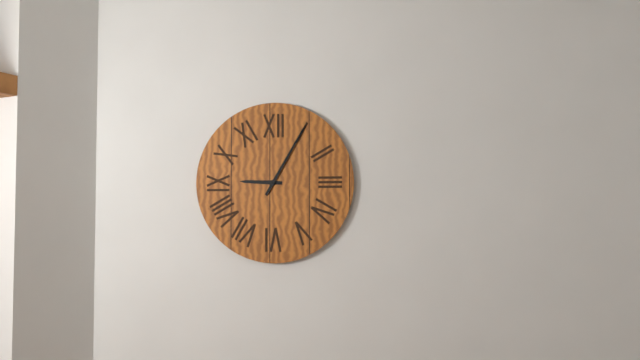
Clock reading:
9.05
